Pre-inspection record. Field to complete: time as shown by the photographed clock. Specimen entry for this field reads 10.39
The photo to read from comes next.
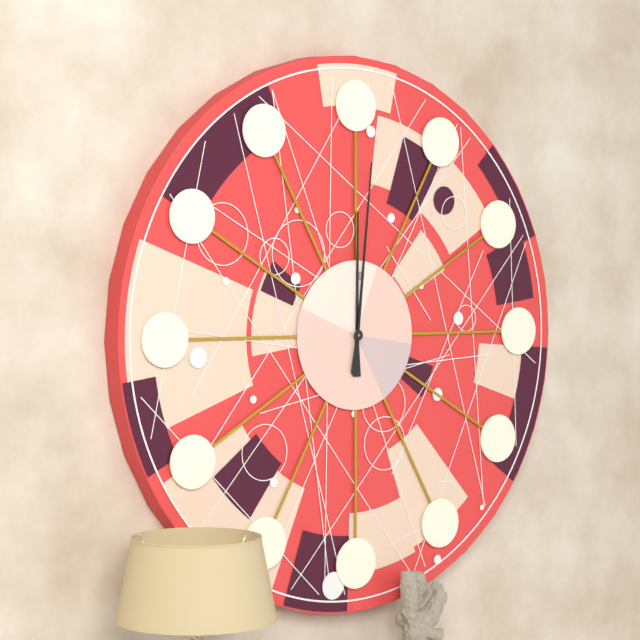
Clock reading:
12.01
